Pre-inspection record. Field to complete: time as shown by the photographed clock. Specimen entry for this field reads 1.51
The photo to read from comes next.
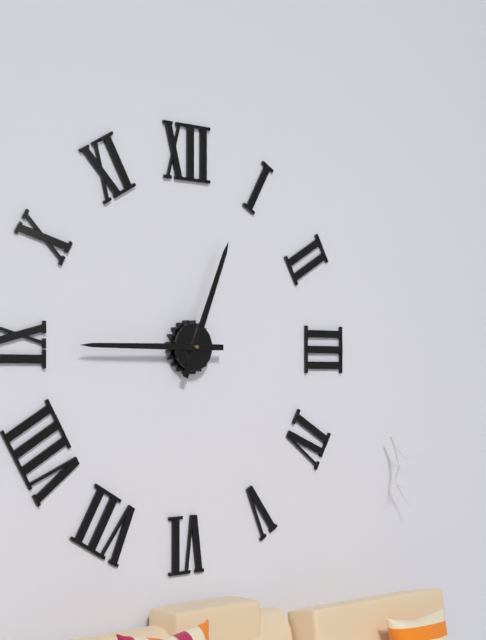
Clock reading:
12.45
